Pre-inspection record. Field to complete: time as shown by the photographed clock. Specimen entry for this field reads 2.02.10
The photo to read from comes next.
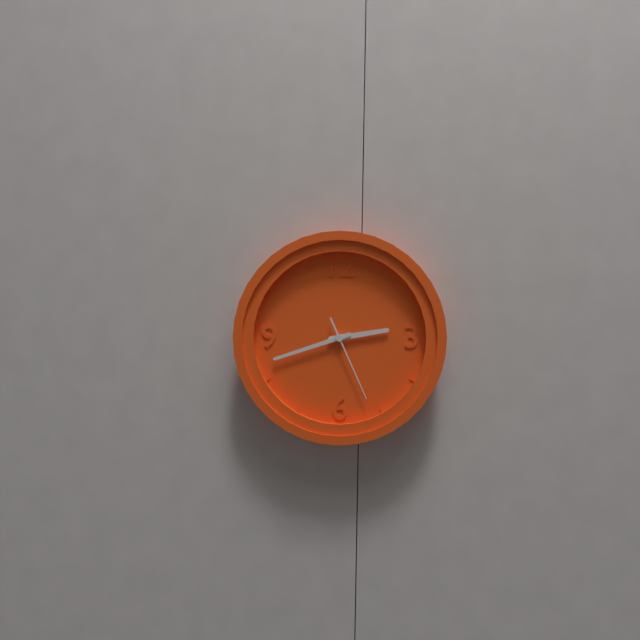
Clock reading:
2.42.26
